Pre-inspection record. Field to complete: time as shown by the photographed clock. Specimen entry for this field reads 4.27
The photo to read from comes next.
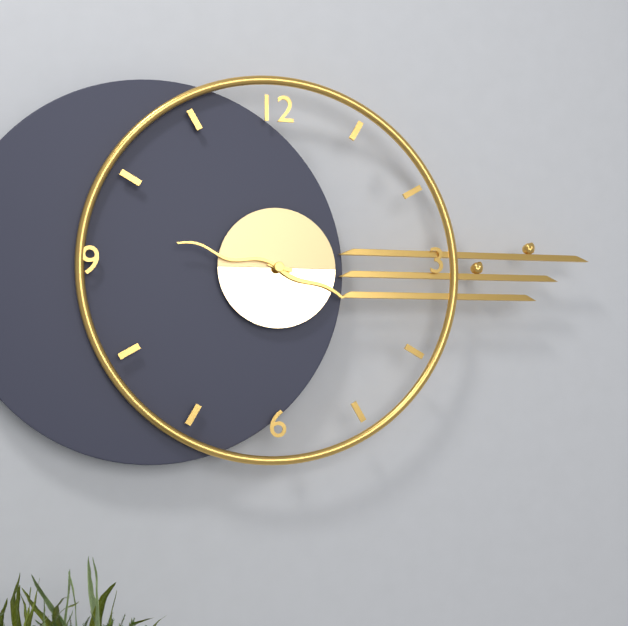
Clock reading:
3.47
